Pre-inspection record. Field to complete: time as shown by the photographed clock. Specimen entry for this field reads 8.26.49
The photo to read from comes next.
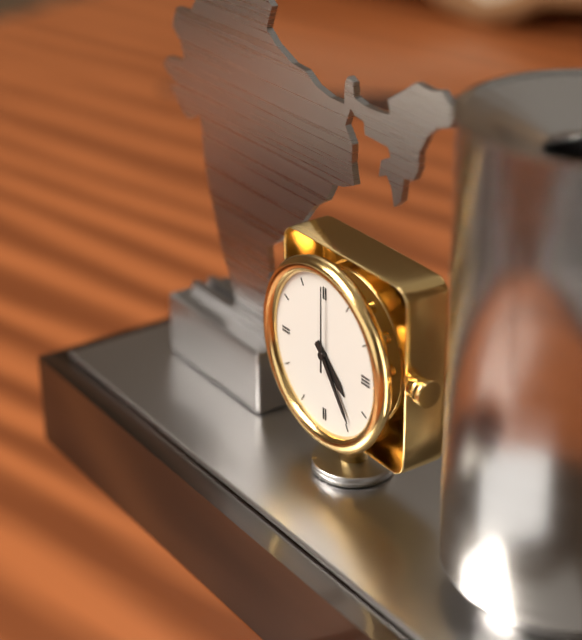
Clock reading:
4.24.00
